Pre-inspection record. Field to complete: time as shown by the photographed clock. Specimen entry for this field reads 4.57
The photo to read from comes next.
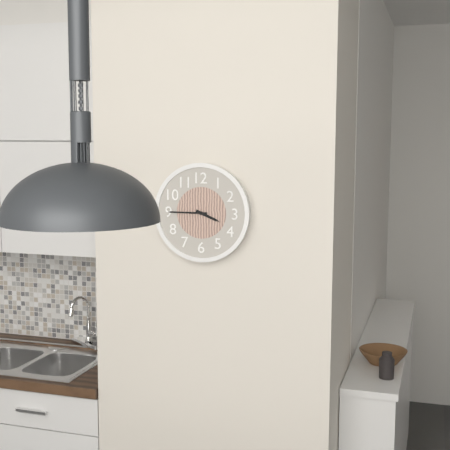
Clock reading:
3.45
